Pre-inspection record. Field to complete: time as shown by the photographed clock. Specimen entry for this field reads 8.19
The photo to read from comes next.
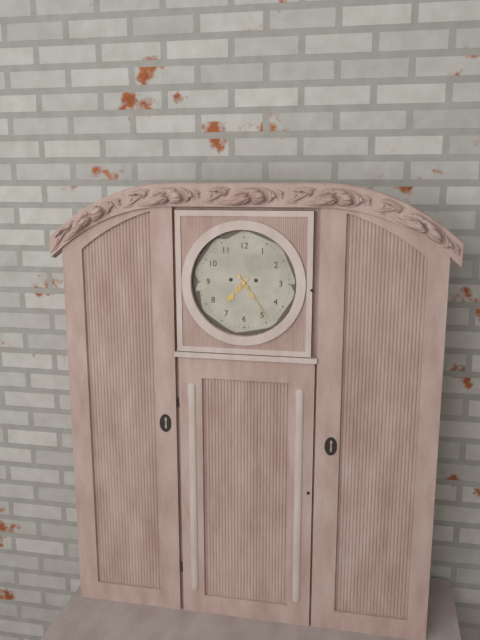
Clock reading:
7.24
